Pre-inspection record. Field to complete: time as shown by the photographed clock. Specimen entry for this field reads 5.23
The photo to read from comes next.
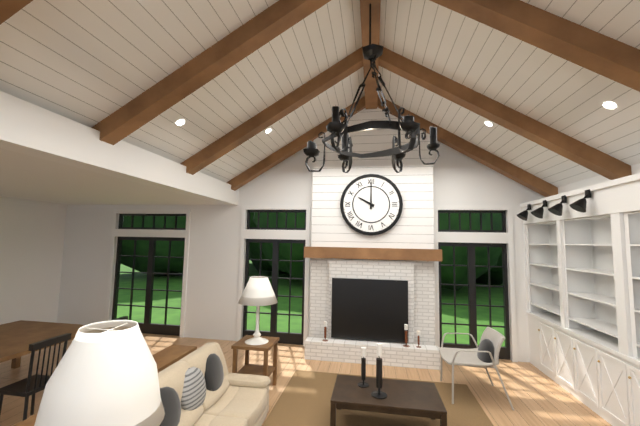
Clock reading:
10.00
